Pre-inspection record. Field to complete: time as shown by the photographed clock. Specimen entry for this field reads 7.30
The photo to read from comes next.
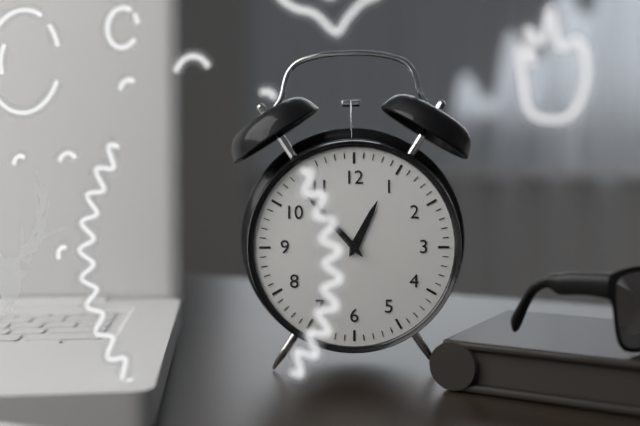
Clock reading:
12.53
